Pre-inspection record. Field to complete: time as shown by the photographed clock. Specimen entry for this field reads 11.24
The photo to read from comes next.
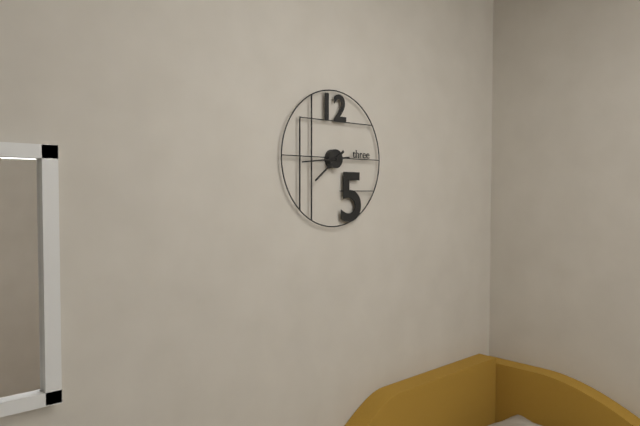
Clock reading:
7.44
